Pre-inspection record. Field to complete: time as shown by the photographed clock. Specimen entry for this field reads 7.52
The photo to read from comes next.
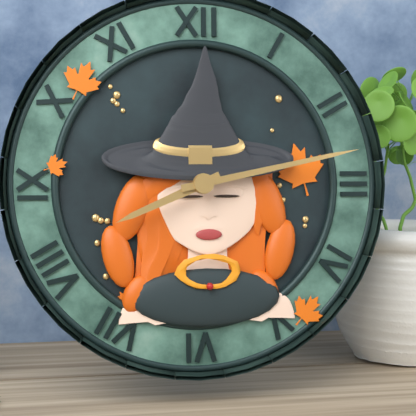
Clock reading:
8.13
